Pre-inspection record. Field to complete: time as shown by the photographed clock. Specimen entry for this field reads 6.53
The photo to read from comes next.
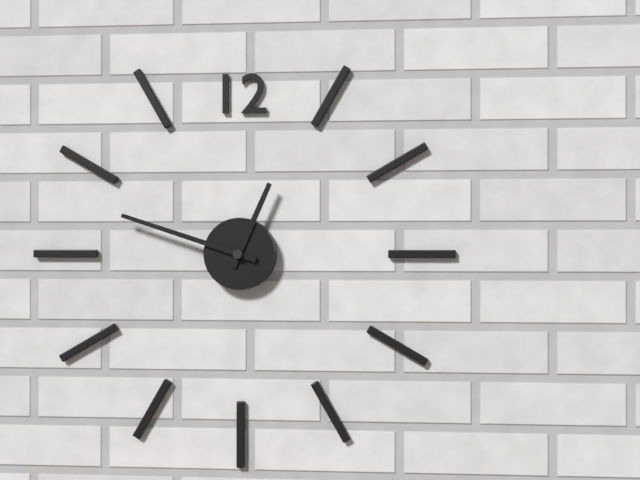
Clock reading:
12.48
